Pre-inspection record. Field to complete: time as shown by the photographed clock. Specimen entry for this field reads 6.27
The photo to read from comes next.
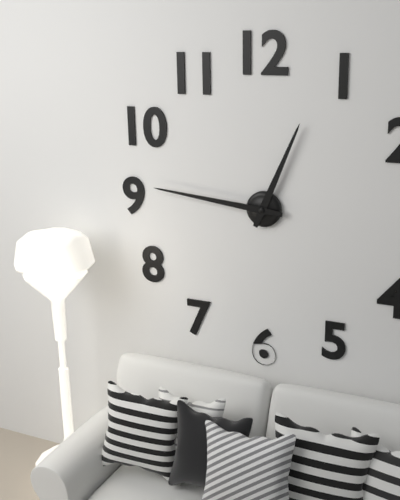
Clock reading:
12.46
